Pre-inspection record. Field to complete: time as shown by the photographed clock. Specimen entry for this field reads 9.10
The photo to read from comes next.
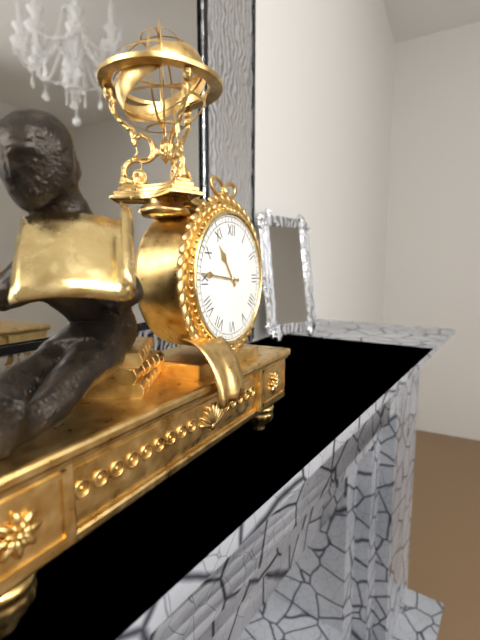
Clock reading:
10.46
